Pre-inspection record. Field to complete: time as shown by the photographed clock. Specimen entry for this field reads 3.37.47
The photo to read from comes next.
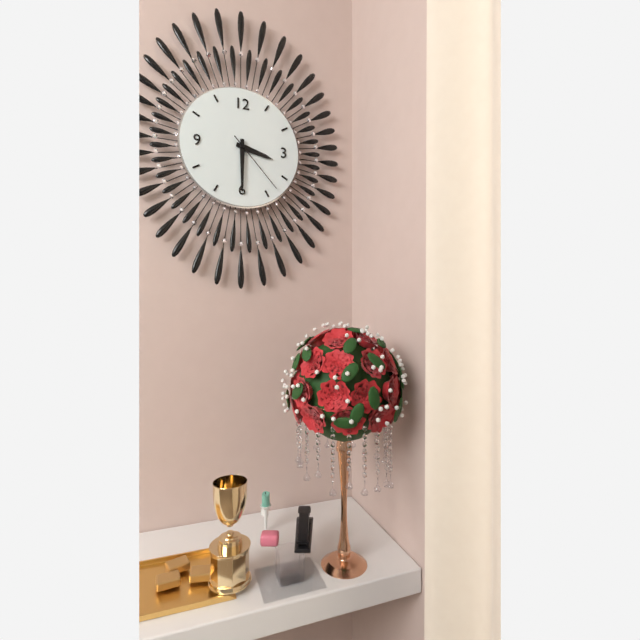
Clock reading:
3.30.23
